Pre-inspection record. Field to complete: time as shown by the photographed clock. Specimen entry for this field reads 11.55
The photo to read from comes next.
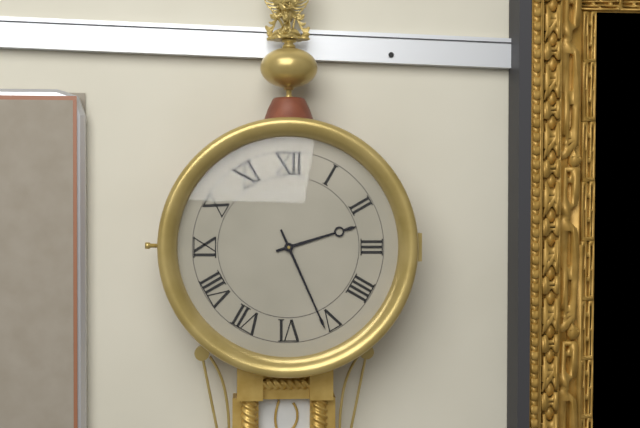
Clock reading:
2.26
